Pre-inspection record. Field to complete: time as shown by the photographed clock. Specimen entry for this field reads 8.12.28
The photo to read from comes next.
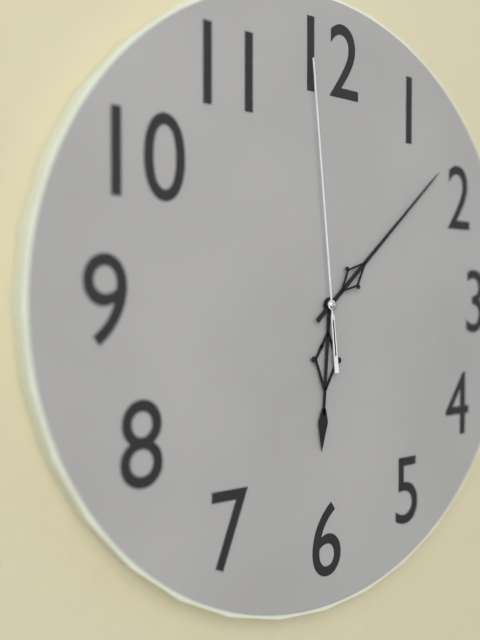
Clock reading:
6.08.59
